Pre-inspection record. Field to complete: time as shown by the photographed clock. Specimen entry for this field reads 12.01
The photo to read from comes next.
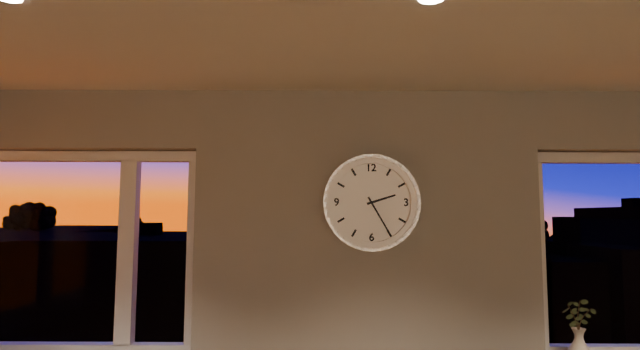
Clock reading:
2.25
